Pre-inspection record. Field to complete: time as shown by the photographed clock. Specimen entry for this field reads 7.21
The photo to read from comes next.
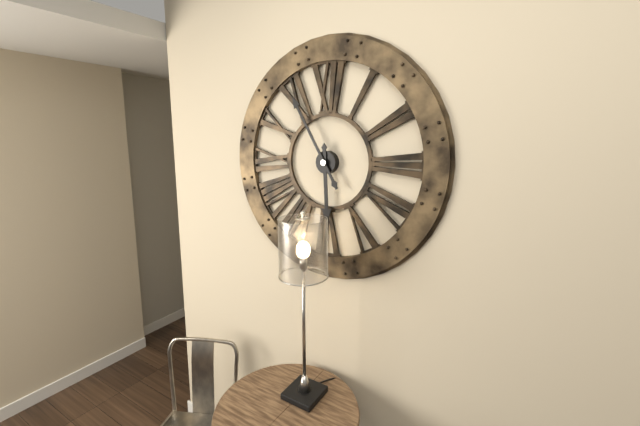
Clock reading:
5.55
